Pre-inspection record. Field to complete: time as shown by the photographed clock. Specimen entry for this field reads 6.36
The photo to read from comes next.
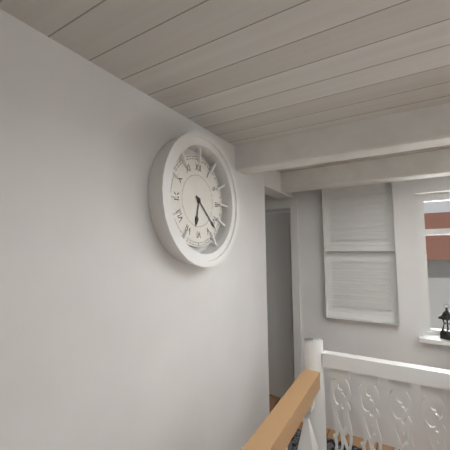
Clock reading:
6.22
